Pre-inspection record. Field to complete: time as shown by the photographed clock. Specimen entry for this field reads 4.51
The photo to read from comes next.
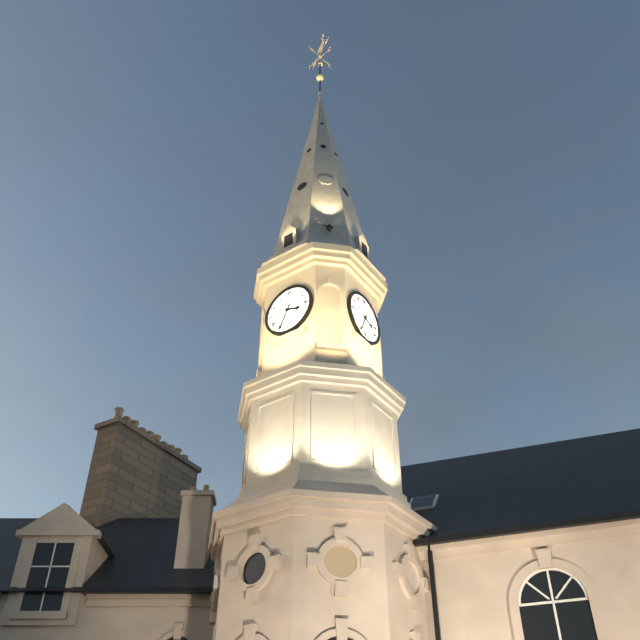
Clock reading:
3.34
